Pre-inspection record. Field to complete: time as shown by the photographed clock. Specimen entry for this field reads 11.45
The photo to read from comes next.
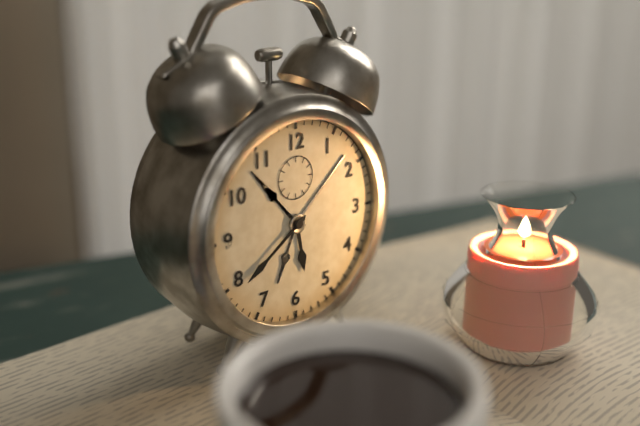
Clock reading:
5.39
